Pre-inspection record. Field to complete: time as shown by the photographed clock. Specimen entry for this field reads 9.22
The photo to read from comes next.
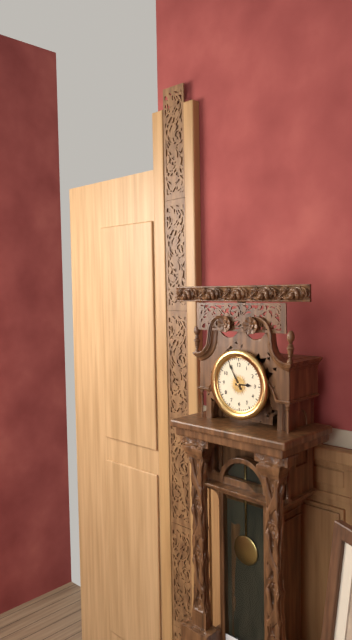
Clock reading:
2.55
